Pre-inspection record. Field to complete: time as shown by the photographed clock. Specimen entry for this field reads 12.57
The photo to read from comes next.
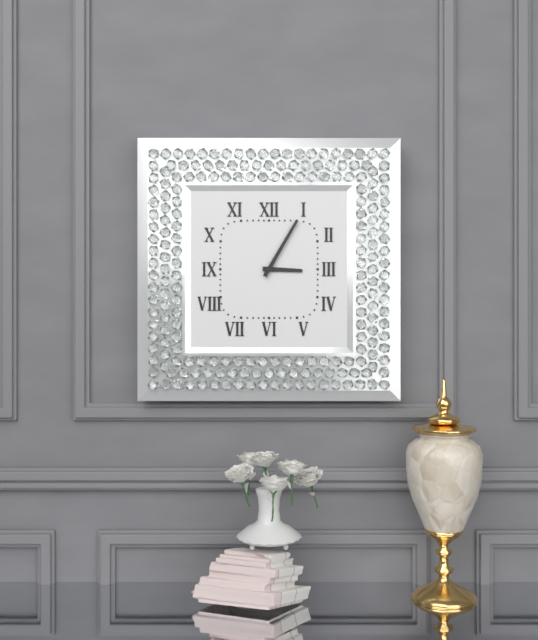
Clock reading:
3.05
